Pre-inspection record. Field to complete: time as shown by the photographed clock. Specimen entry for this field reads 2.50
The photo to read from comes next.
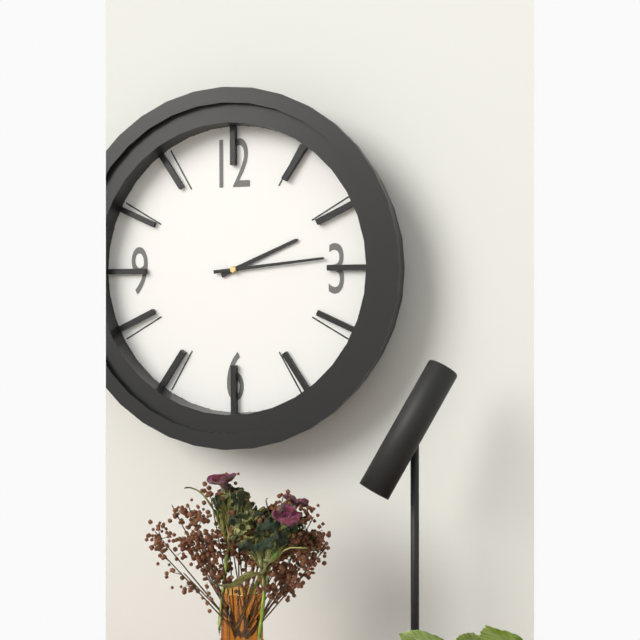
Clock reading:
2.14
